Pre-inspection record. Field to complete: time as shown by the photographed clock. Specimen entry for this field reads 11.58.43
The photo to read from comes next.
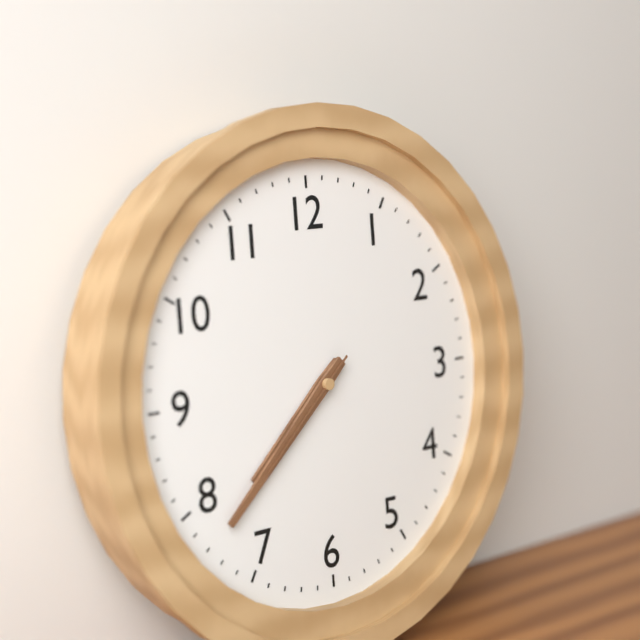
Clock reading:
7.38.38
